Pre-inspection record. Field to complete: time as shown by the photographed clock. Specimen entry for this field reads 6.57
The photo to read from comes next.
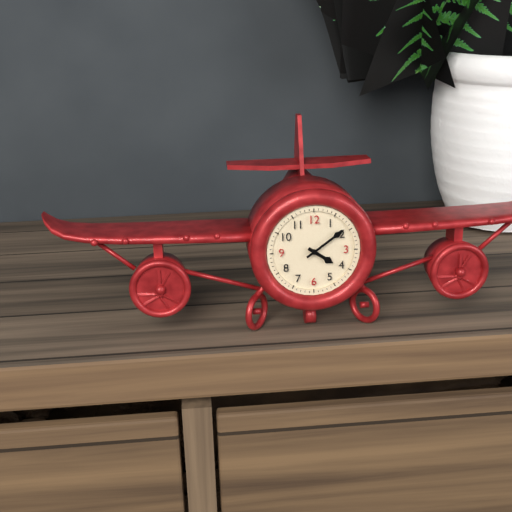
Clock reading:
4.09
